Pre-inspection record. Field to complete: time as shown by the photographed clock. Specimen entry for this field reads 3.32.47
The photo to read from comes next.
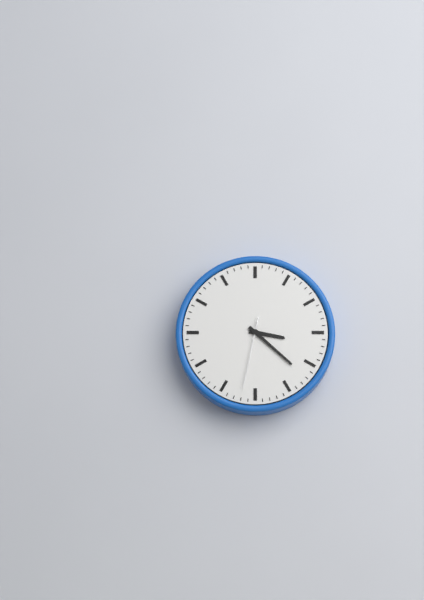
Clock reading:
3.22.32
